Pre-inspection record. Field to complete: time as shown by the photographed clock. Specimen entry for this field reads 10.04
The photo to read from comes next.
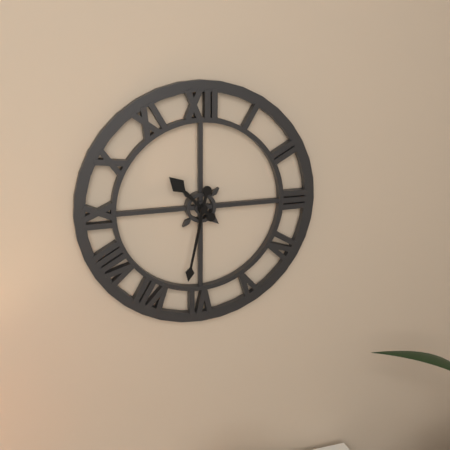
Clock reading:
10.32
